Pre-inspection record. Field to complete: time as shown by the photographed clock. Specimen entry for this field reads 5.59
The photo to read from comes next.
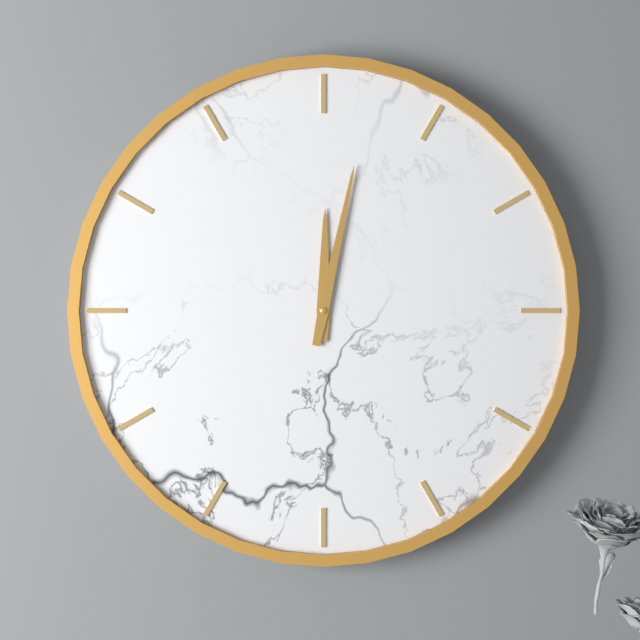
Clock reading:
12.02
